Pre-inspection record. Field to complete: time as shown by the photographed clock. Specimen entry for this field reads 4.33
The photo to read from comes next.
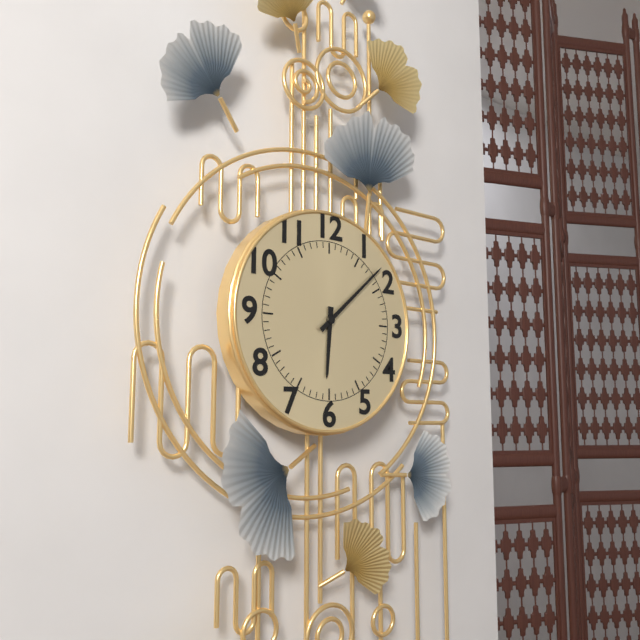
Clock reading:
6.08
